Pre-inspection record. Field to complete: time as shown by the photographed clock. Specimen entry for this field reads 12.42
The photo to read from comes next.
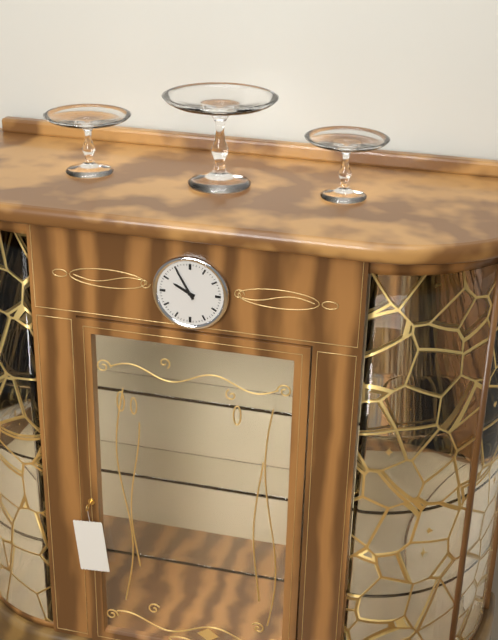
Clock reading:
9.55
